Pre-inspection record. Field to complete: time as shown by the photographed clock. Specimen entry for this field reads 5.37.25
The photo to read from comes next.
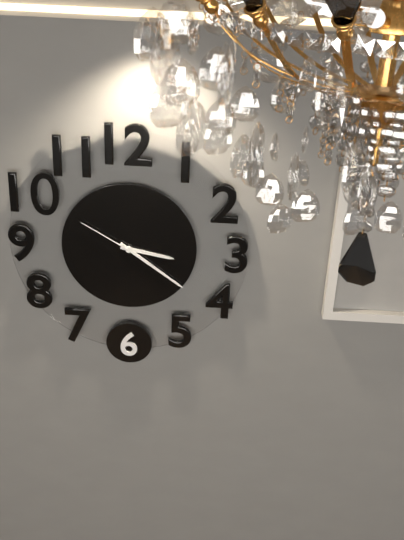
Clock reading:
3.21.50
